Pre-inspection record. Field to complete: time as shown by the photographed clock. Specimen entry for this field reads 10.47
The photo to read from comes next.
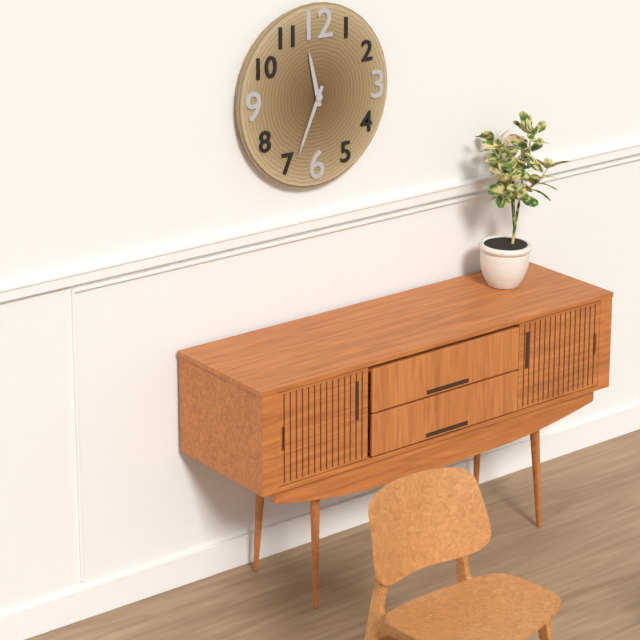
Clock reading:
11.34
